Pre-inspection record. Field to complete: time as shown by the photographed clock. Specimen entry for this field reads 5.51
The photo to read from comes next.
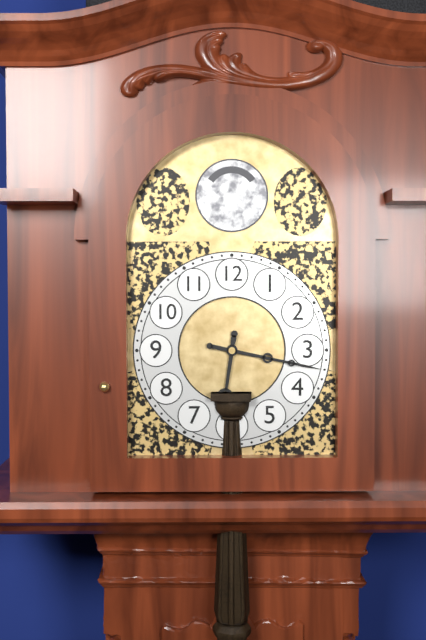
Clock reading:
6.17
